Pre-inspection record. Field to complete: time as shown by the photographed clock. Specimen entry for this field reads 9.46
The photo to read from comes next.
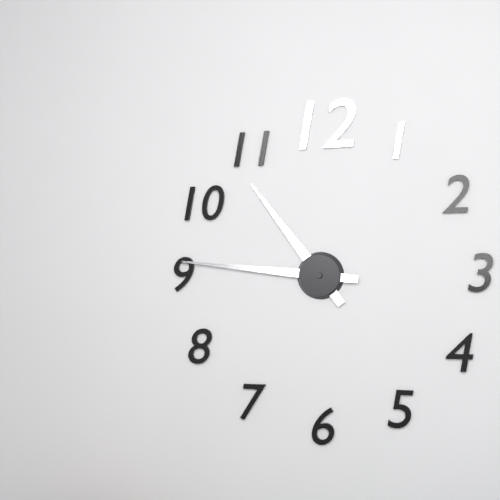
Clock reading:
10.46
